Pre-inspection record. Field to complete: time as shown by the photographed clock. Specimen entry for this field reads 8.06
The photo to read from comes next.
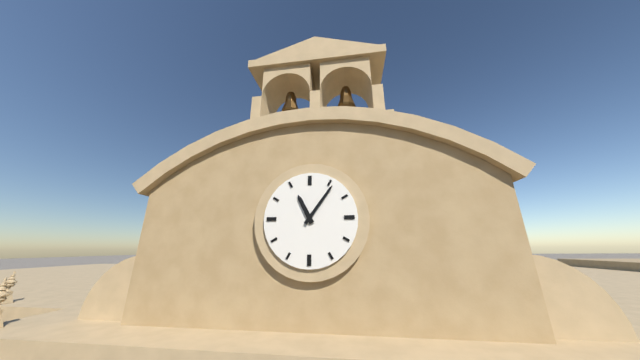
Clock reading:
11.06
